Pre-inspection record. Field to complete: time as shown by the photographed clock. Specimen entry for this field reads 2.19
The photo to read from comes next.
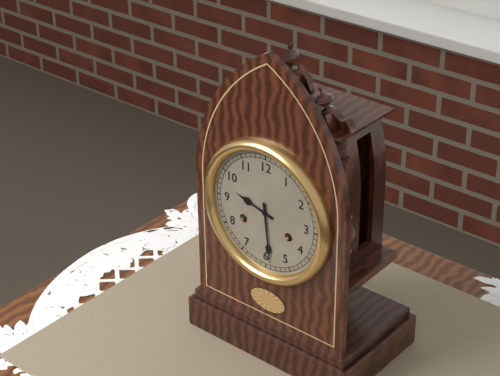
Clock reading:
9.29
